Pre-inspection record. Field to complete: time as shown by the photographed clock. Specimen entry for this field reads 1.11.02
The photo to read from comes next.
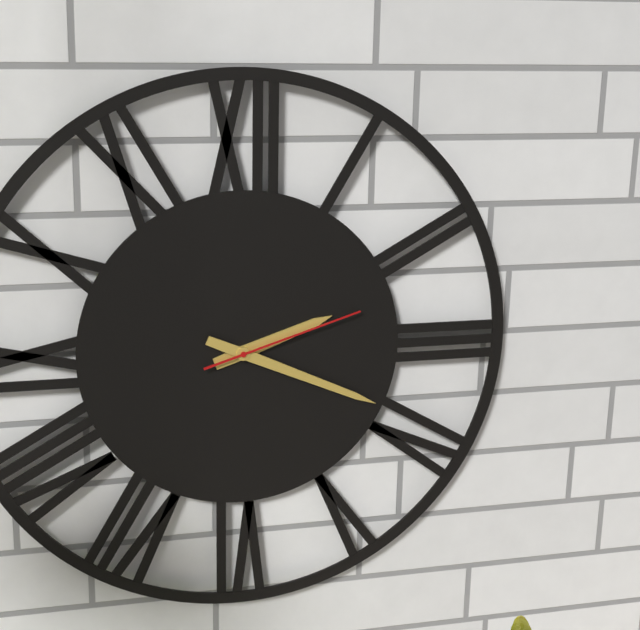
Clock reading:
2.19.12
